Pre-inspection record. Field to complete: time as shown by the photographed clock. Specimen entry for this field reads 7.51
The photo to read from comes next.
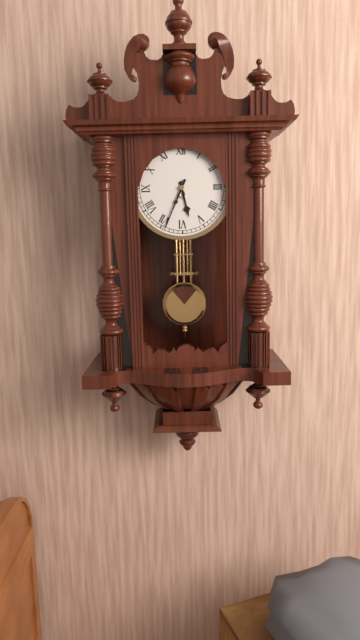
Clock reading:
5.34
